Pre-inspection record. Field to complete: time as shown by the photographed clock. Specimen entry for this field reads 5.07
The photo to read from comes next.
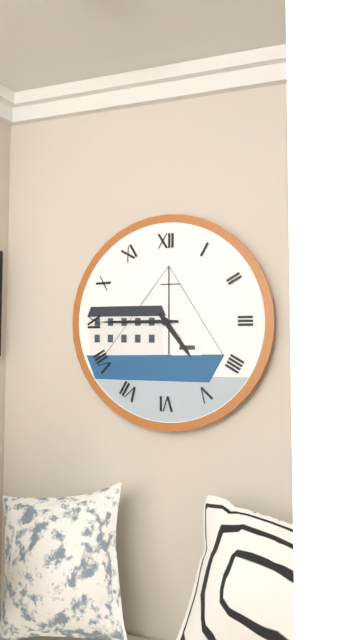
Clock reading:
4.45
